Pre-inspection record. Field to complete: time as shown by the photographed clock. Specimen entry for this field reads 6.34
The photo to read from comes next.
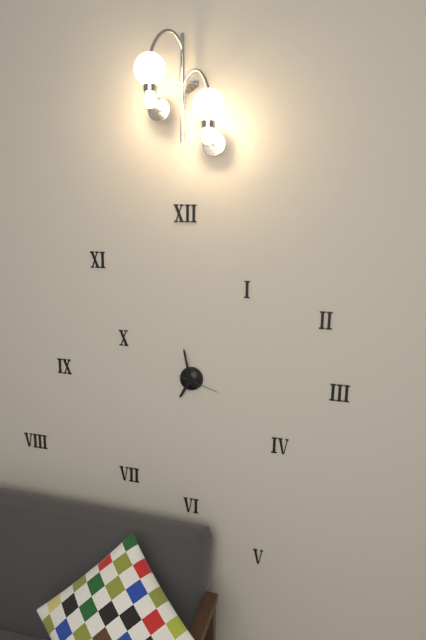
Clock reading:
6.58
